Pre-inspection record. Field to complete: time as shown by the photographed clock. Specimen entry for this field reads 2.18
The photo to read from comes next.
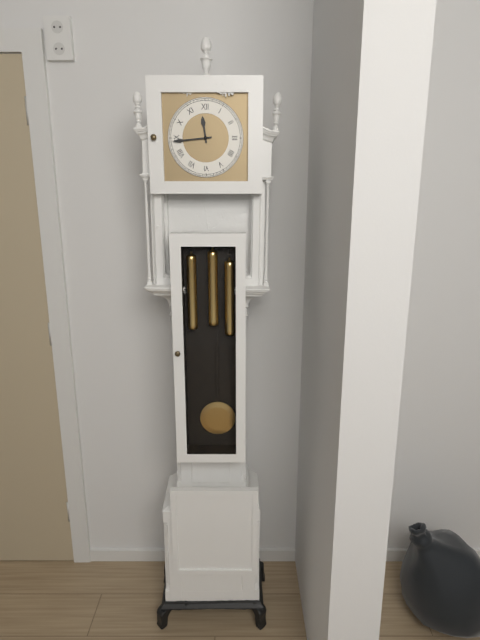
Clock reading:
11.44
